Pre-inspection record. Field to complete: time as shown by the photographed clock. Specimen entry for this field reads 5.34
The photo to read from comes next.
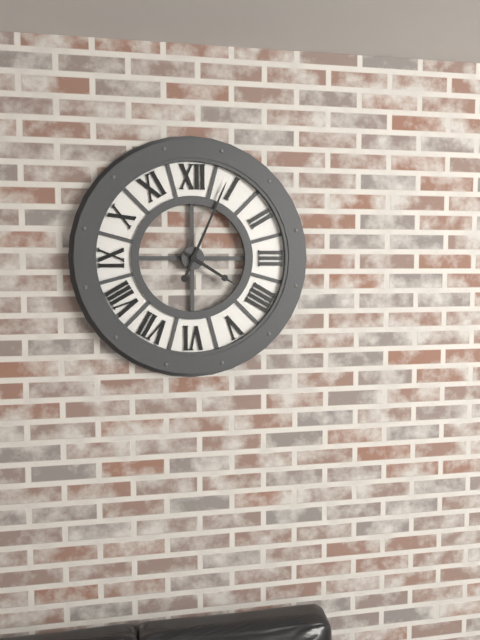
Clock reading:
4.04
